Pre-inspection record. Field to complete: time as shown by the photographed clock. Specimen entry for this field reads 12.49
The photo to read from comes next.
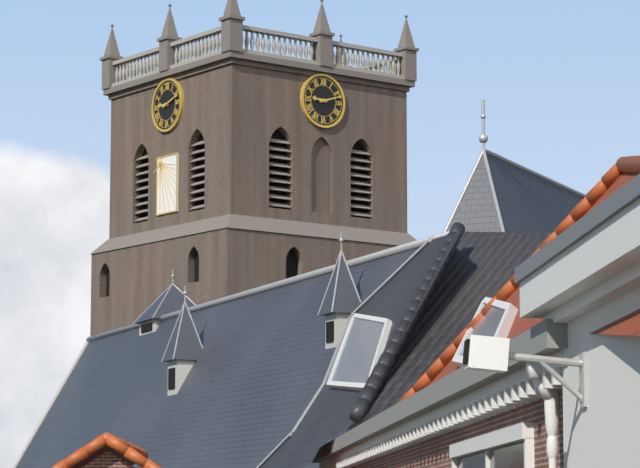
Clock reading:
9.12
